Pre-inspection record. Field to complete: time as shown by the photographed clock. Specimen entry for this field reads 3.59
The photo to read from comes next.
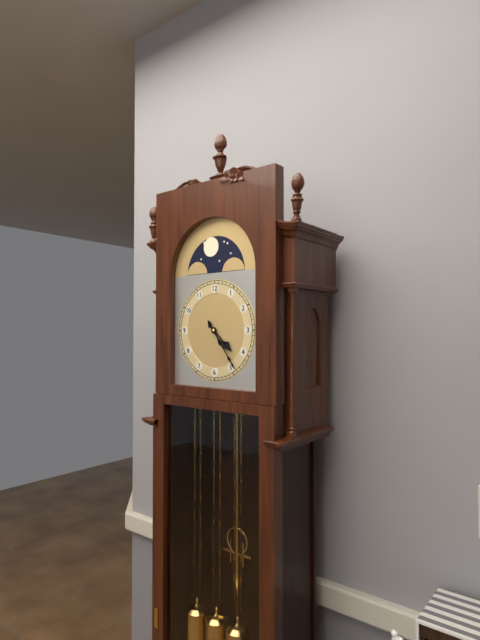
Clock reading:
4.24
